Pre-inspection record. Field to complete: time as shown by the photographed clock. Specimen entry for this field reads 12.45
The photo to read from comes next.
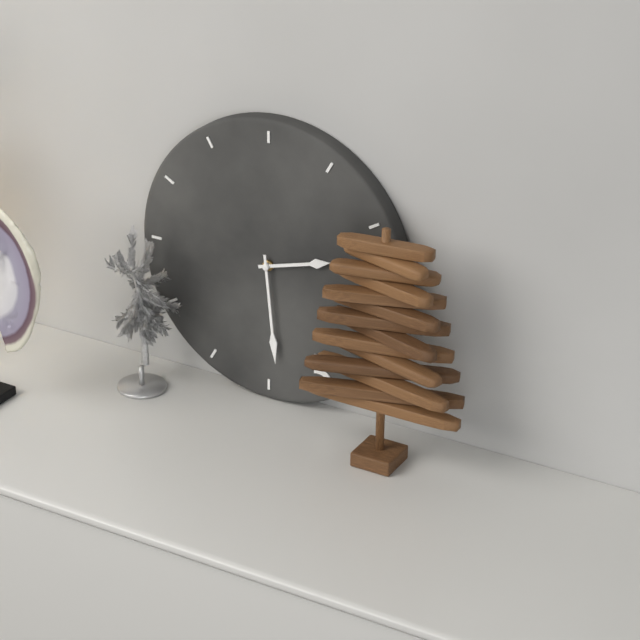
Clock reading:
2.29
